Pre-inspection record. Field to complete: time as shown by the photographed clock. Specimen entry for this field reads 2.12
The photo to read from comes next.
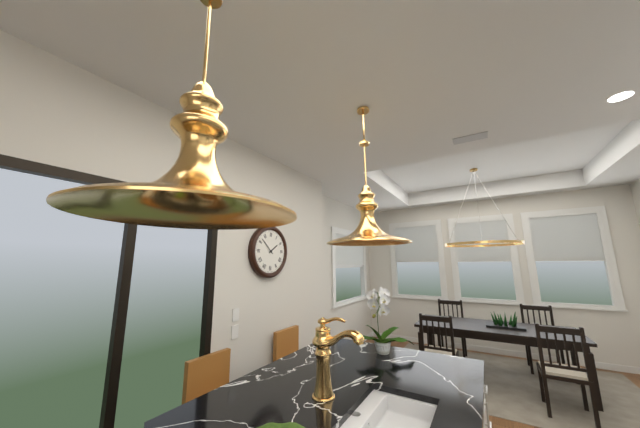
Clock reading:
1.52
